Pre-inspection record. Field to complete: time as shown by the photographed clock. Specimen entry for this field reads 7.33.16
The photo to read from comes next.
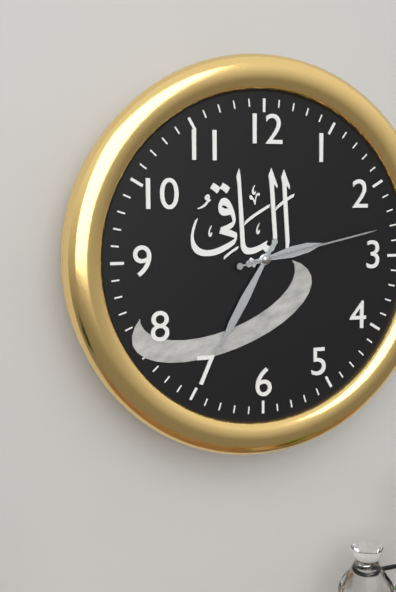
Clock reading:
2.35.13
